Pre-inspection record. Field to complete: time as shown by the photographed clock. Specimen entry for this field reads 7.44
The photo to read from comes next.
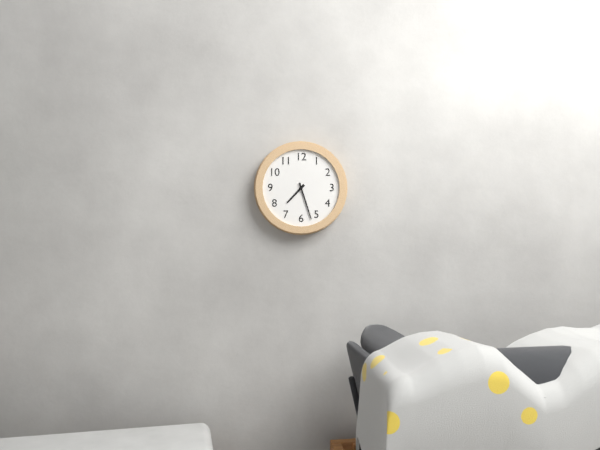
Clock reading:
7.27
